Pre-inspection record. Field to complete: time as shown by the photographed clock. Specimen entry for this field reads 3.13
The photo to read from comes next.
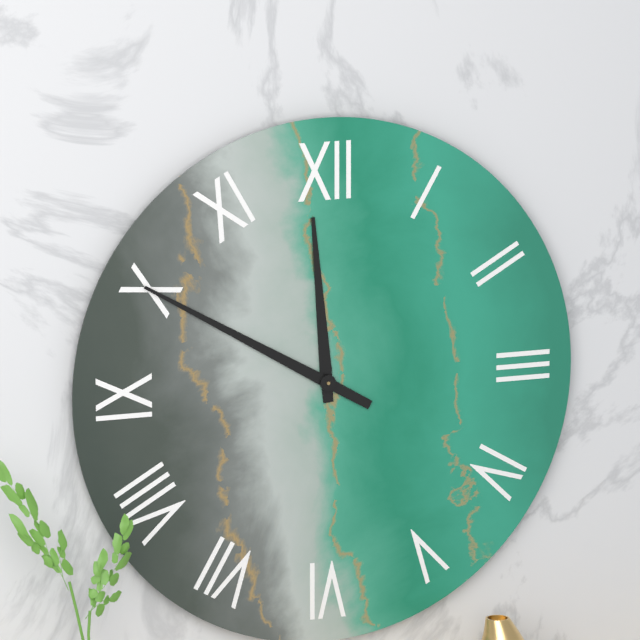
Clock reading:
11.50
